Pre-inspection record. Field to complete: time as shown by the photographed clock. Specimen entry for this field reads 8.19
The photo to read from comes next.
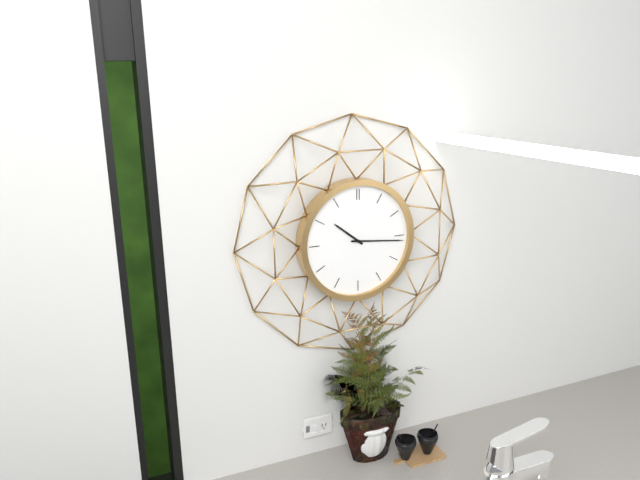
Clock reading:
10.16
